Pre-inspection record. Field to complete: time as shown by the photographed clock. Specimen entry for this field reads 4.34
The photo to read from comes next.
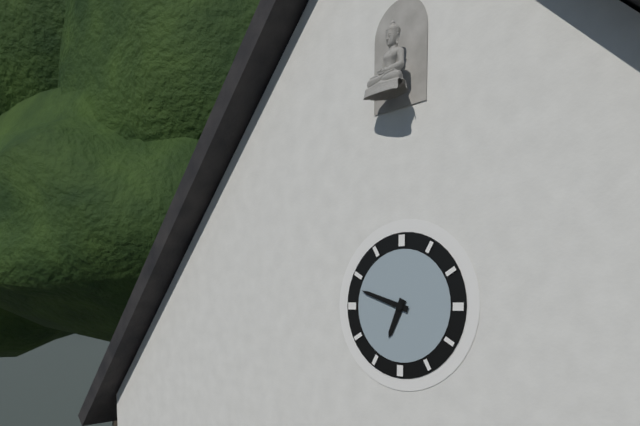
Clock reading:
6.48
